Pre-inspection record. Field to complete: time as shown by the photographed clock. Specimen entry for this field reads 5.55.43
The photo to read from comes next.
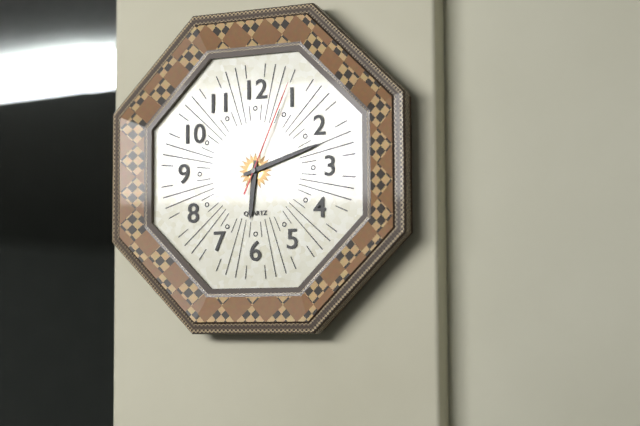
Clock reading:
6.12.04
